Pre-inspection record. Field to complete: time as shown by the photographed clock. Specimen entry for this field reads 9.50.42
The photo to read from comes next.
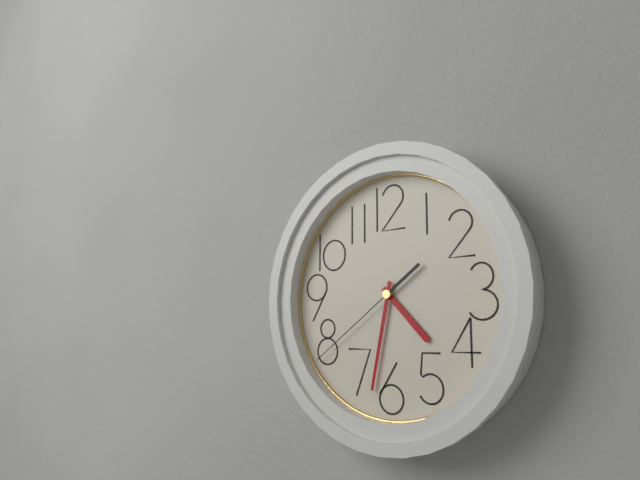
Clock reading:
4.32.39
